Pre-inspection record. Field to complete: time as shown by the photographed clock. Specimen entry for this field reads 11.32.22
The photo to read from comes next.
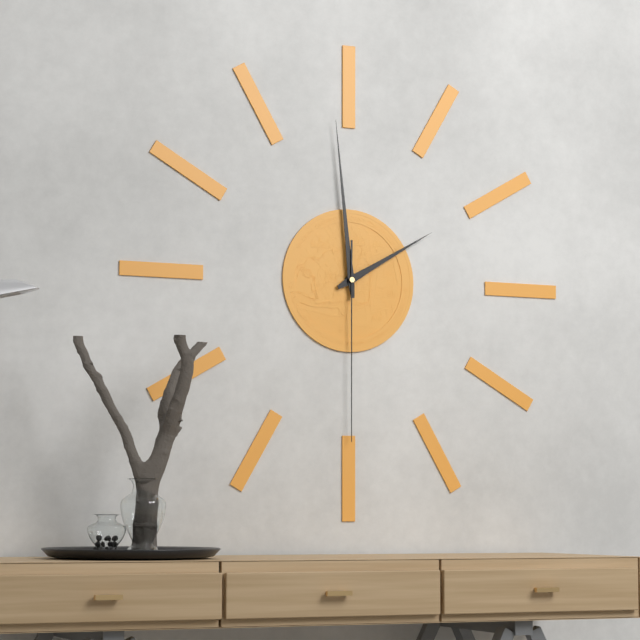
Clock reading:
1.59.30
